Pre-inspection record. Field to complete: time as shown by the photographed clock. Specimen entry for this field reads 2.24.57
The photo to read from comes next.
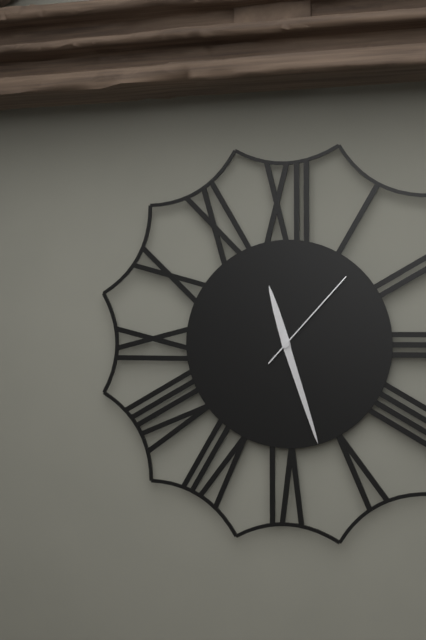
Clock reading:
11.27.07
